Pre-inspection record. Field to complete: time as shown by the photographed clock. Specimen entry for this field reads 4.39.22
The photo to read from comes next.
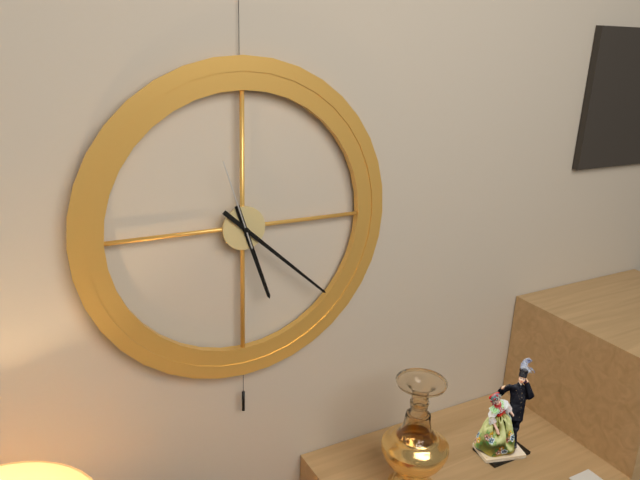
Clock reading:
5.22.57
